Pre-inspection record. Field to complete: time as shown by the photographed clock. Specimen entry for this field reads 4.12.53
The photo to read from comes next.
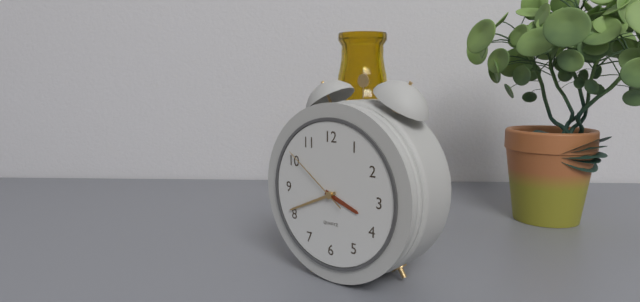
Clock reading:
3.41.51
